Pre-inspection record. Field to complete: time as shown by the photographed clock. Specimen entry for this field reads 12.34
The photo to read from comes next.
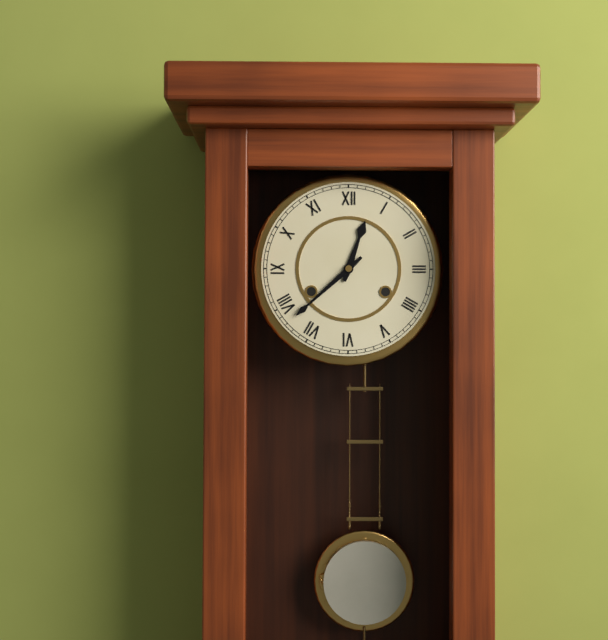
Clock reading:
12.38
